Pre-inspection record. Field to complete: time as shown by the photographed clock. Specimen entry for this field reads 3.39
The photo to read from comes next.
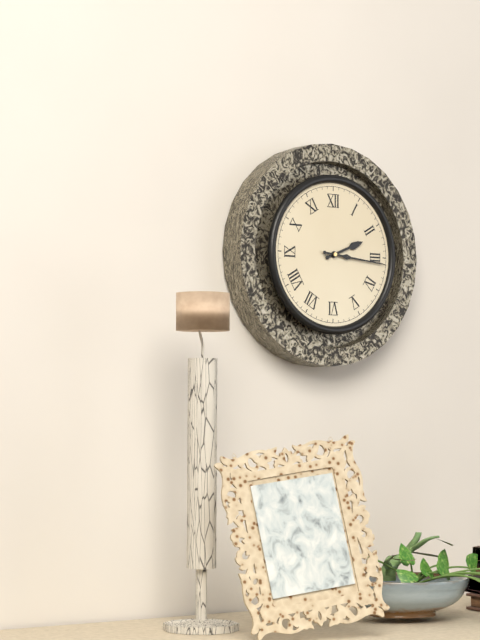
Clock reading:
2.16
